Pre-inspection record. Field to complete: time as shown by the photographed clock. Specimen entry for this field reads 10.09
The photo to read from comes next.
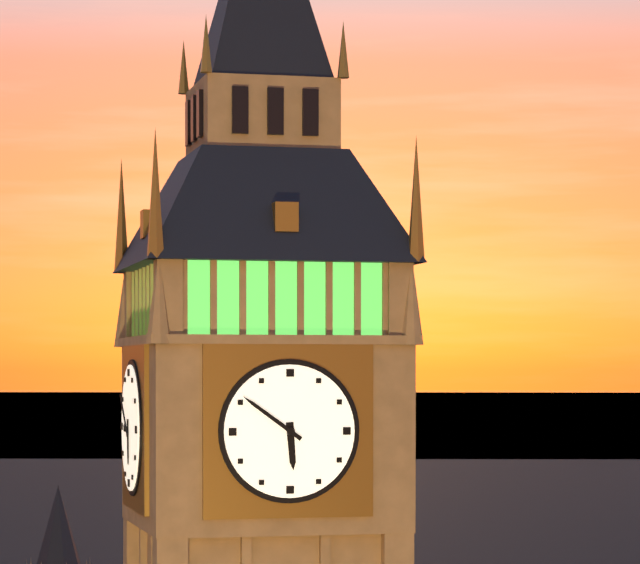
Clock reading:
5.51
